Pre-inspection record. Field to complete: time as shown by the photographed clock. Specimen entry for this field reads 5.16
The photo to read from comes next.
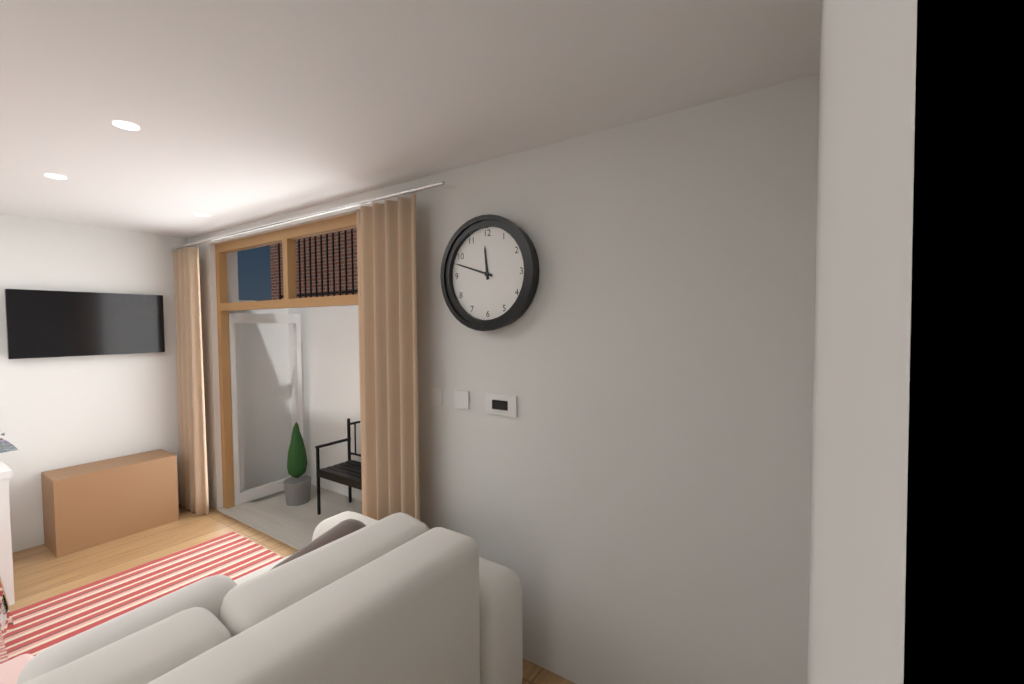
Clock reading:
11.48
